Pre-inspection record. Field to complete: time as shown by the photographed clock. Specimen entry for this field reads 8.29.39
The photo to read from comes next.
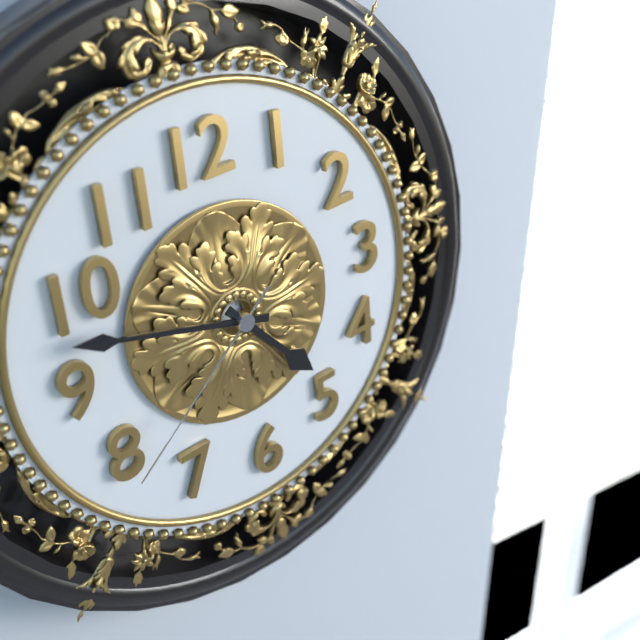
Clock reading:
4.48.39
